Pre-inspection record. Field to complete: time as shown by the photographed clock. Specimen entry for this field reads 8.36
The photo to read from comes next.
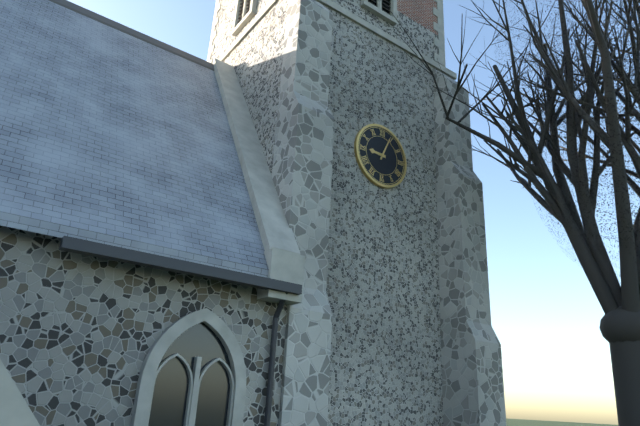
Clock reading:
9.04
